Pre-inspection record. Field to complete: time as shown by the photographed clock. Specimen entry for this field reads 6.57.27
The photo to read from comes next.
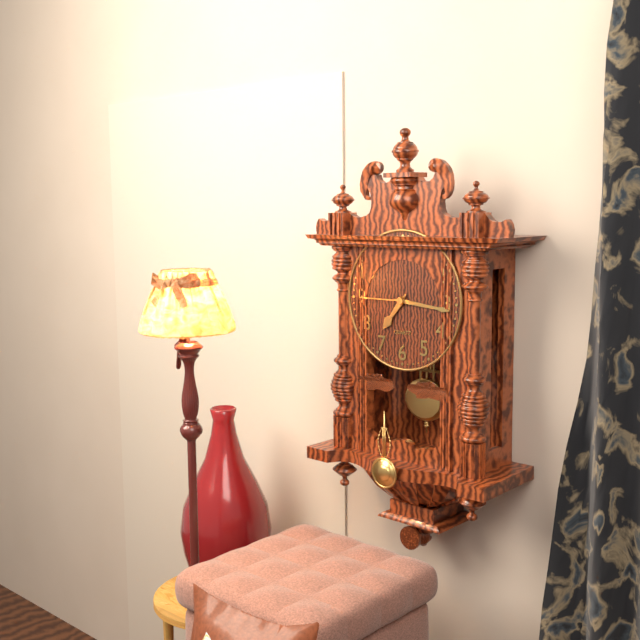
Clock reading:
7.16.45
